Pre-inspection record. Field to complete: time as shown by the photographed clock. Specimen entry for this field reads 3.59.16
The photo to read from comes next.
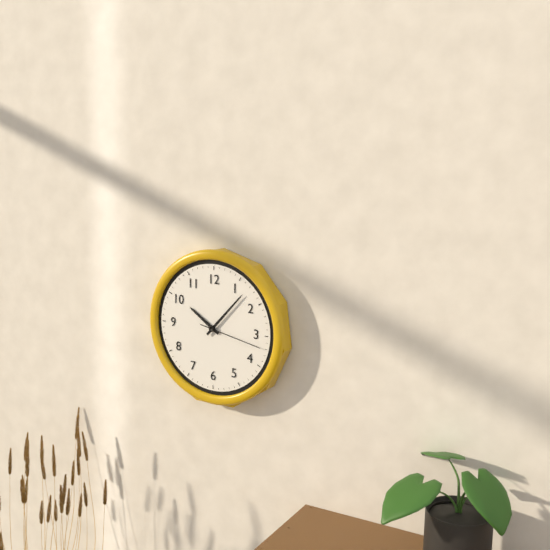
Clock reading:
10.07.17
